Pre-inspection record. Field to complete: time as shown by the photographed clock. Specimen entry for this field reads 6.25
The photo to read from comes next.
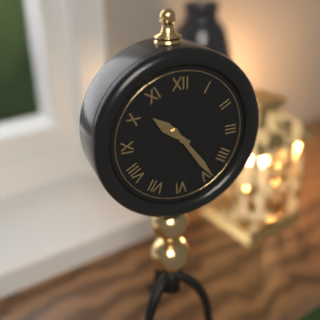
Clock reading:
10.24
